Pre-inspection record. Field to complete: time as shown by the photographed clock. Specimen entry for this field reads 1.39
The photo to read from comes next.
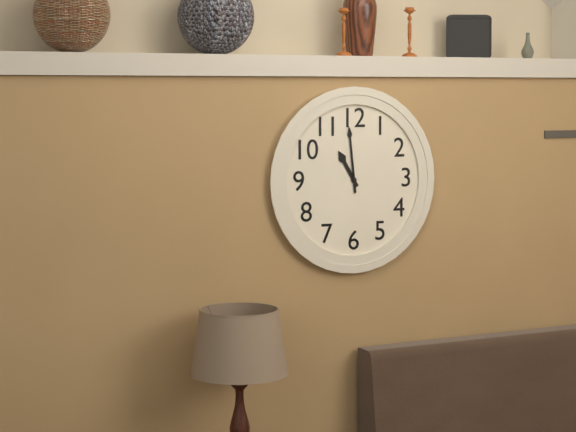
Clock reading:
10.59
